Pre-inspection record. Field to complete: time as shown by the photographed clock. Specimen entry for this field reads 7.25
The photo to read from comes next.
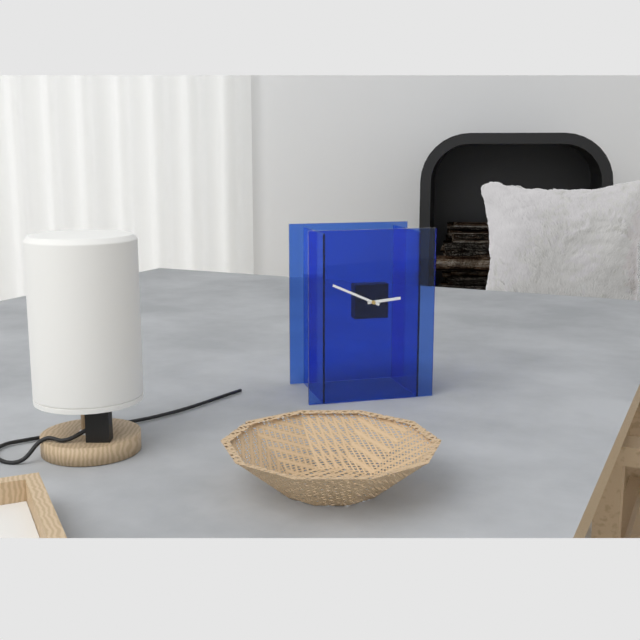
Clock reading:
2.49
